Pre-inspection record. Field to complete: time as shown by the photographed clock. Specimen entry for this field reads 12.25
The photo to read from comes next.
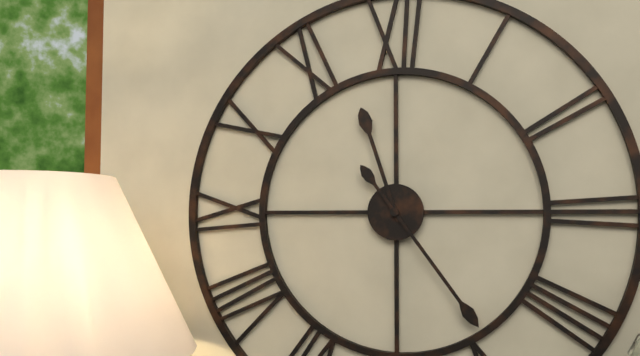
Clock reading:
11.24
